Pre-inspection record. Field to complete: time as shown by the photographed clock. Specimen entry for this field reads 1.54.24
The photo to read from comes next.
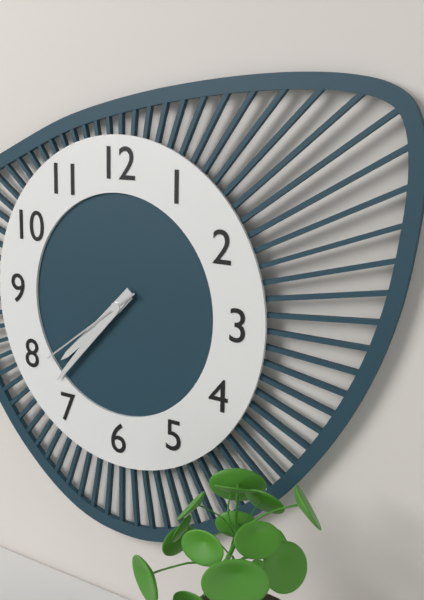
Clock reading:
7.37.39
